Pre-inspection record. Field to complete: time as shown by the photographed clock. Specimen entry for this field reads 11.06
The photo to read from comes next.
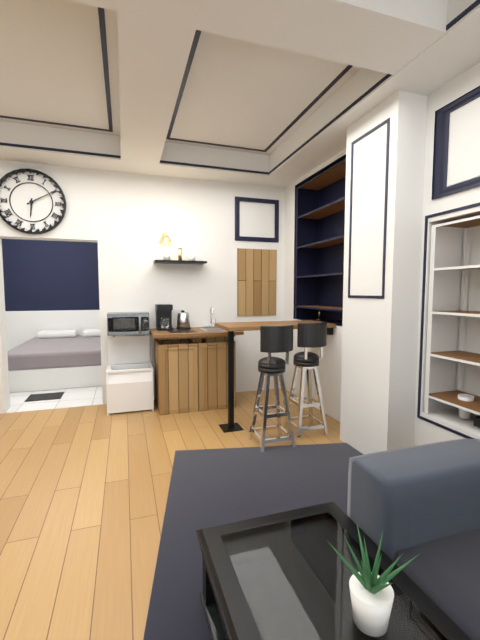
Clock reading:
6.10
